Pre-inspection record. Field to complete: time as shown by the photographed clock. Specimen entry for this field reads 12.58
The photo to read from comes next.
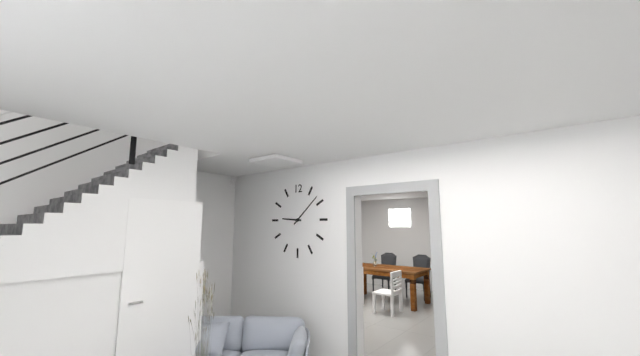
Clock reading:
9.08
